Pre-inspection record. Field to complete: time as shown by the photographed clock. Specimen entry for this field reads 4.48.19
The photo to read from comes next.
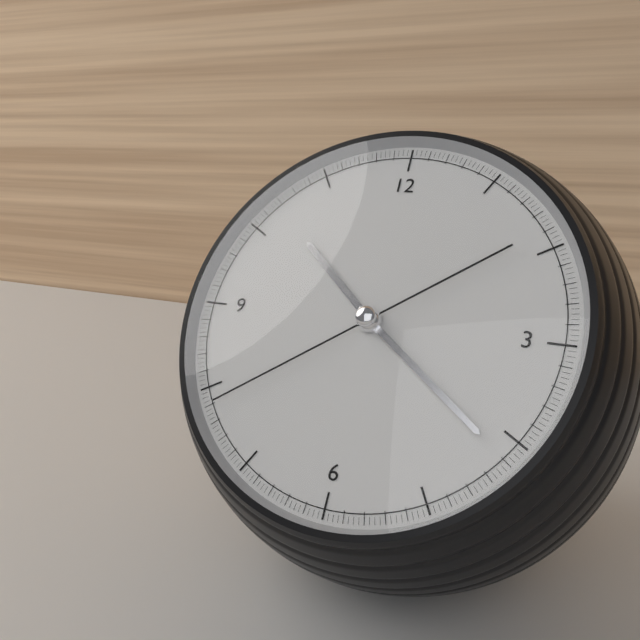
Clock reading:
10.21.39
